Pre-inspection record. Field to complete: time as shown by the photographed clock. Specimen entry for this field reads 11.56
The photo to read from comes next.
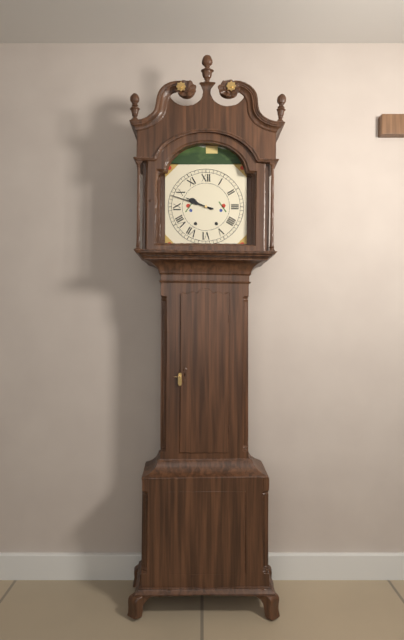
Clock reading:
9.48
